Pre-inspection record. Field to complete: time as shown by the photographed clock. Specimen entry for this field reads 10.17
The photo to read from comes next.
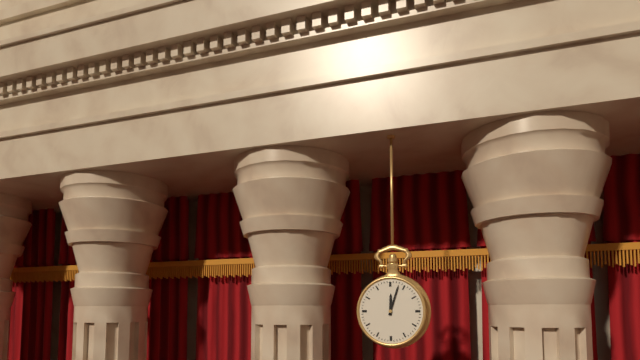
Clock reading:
12.03
